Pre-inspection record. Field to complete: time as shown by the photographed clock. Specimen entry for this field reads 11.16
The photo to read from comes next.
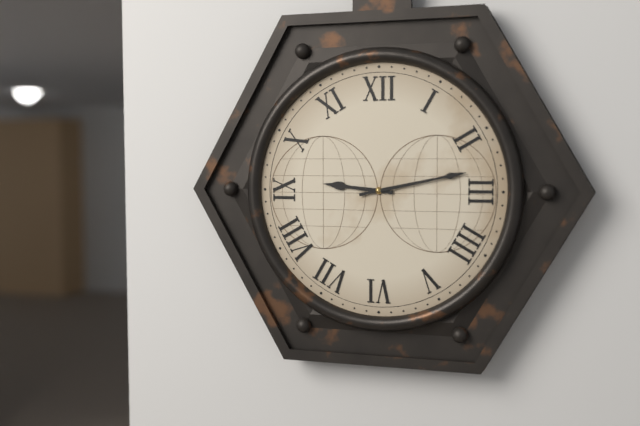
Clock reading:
9.13
